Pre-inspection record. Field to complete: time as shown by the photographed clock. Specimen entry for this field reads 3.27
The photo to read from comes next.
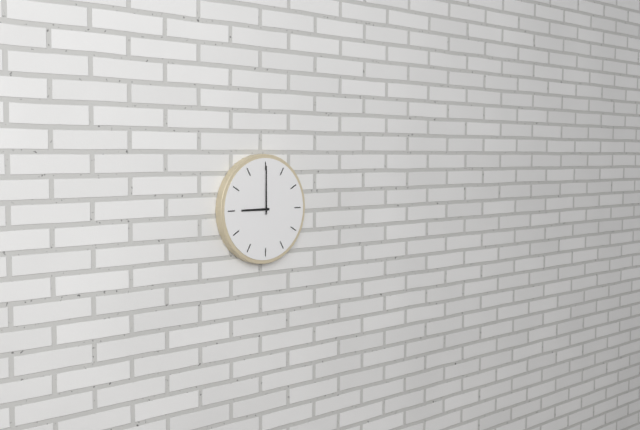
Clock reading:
9.00
